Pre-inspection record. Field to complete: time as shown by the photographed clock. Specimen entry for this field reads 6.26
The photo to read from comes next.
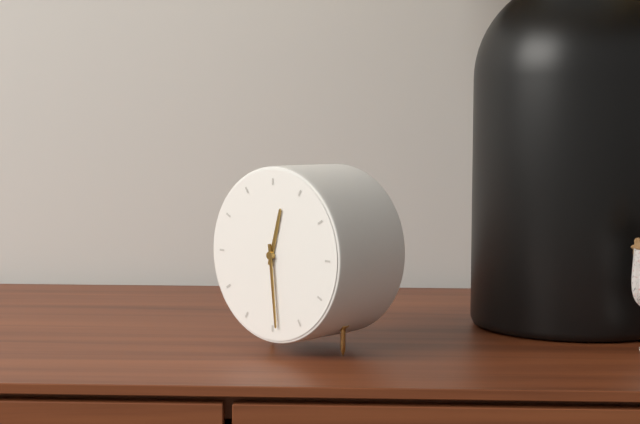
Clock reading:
12.29
